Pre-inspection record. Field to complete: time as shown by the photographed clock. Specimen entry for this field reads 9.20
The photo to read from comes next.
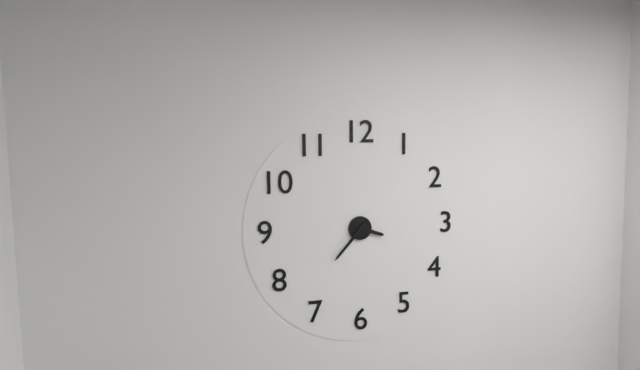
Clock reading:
3.37
